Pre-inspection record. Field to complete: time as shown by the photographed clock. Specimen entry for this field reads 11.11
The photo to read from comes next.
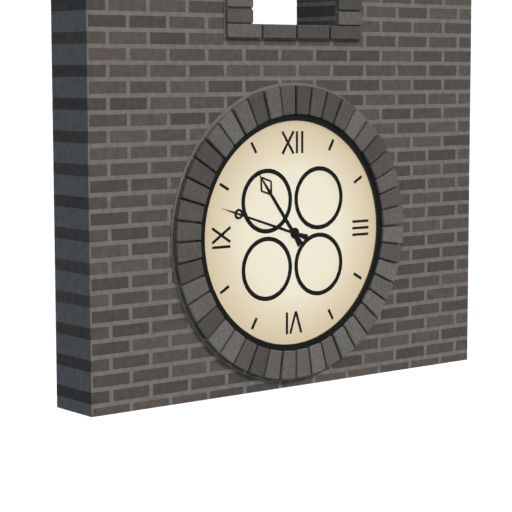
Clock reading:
10.48
